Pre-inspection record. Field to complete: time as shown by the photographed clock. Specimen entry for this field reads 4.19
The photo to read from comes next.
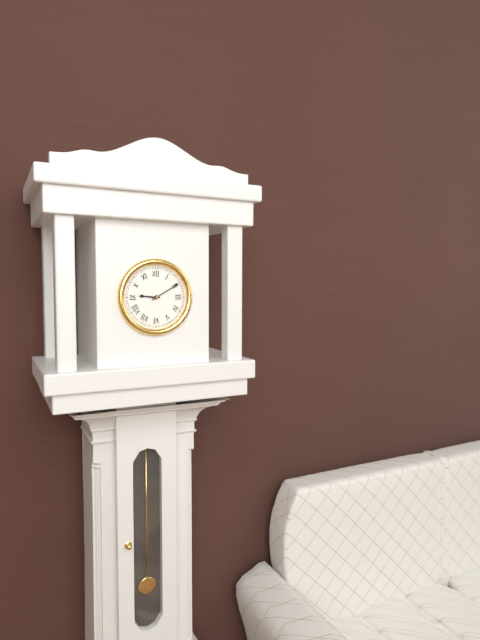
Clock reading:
9.10
